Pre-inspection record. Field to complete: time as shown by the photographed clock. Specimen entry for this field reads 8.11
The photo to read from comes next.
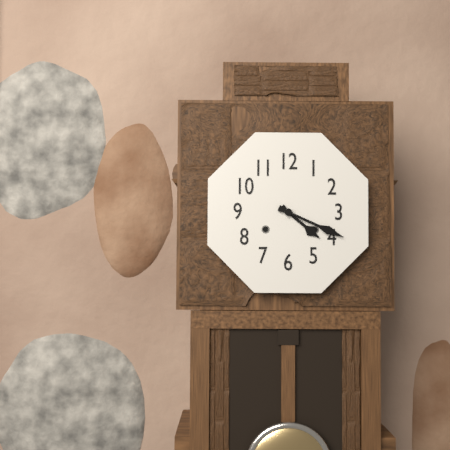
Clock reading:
4.19
